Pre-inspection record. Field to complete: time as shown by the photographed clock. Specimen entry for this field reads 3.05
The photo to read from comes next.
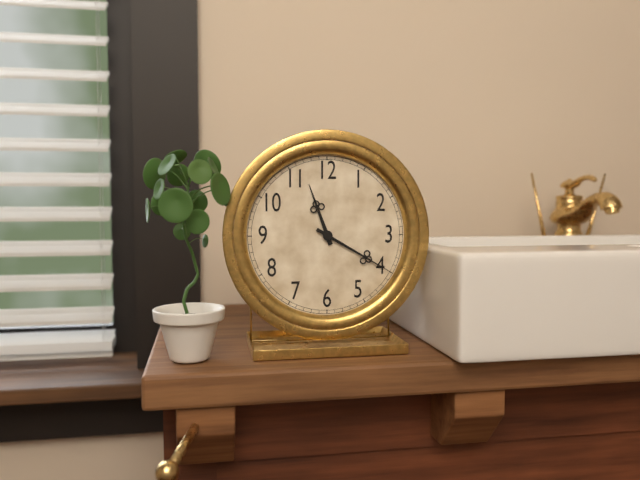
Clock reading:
11.20
